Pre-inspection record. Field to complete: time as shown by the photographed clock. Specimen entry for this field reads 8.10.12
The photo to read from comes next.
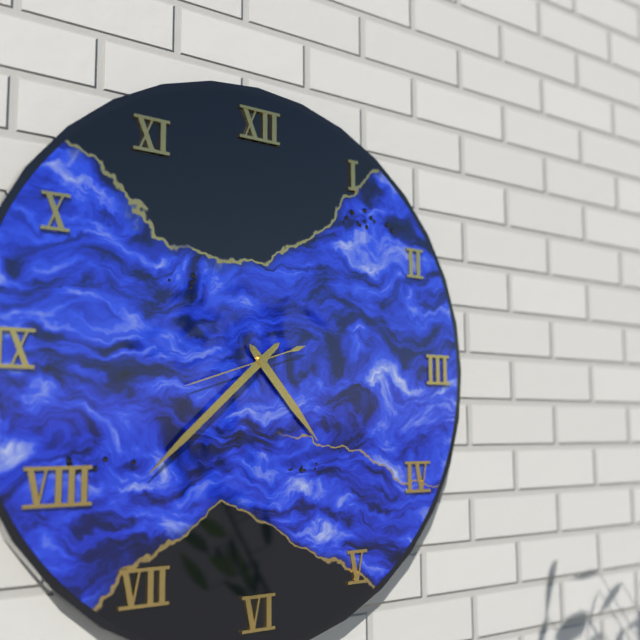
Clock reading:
4.38.42
